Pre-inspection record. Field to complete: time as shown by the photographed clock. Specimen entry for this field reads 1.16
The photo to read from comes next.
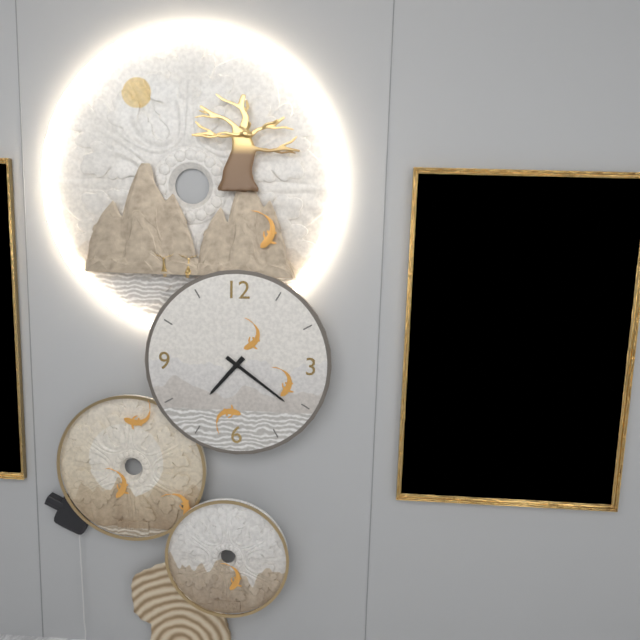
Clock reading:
7.21
